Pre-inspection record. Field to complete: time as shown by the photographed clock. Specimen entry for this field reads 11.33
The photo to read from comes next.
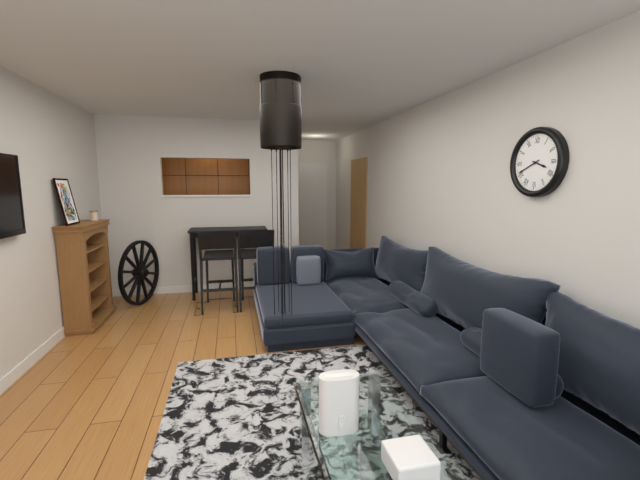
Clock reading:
3.41
